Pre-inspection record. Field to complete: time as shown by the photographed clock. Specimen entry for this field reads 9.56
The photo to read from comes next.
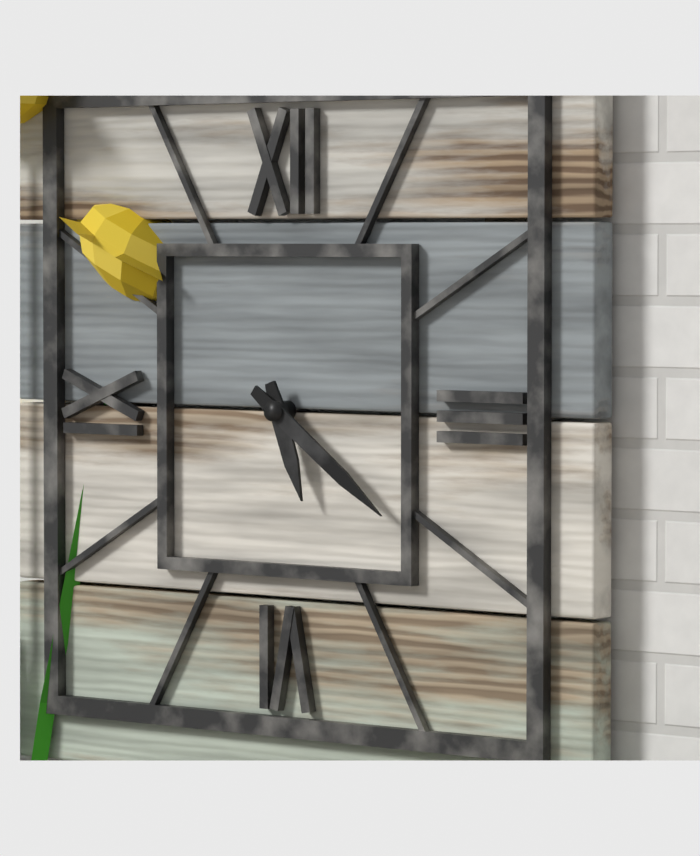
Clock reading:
5.21
